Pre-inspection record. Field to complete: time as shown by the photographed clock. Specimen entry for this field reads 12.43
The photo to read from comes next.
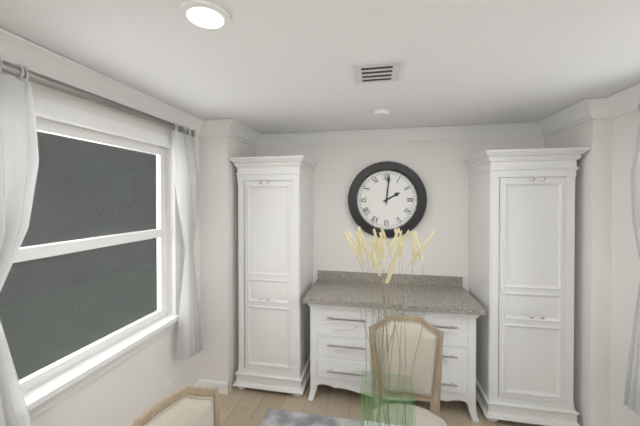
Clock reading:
2.01
